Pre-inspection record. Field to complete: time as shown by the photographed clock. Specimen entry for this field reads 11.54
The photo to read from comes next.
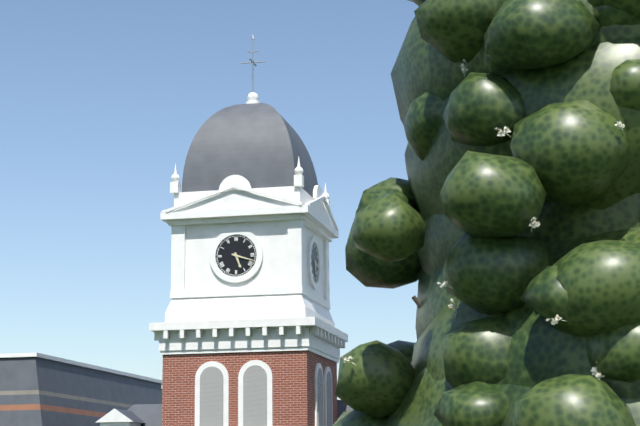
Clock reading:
5.18
